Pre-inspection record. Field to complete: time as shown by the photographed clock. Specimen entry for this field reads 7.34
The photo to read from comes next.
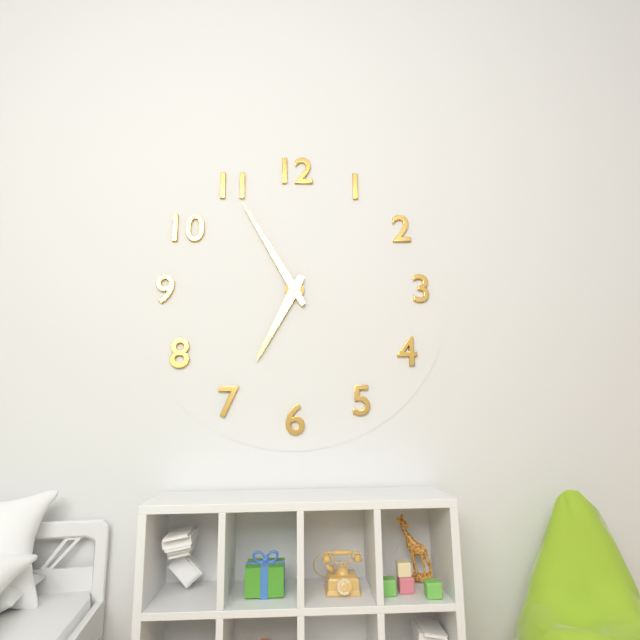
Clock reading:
6.55
